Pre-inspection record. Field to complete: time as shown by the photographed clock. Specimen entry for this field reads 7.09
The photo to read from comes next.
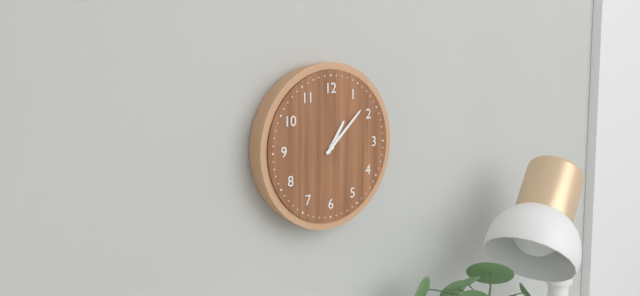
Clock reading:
1.08
